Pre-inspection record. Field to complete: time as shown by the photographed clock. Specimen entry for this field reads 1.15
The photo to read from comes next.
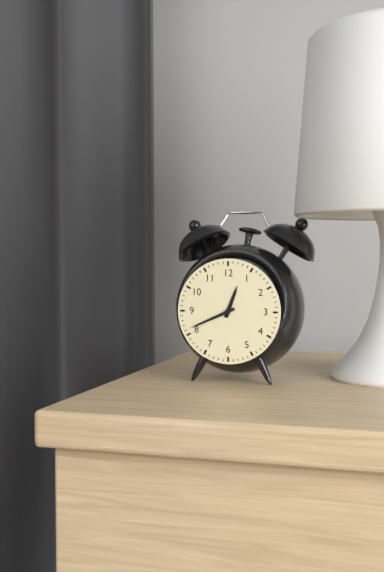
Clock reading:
12.41
